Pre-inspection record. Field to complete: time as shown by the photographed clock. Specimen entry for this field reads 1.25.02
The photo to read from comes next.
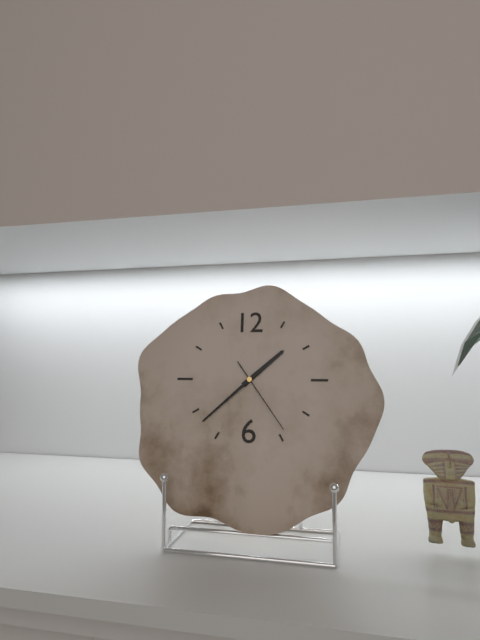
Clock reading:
1.38.24
